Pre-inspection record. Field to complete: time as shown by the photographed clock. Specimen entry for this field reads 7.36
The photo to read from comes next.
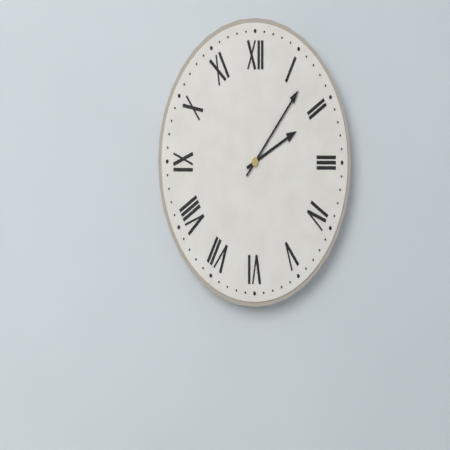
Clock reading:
2.07
